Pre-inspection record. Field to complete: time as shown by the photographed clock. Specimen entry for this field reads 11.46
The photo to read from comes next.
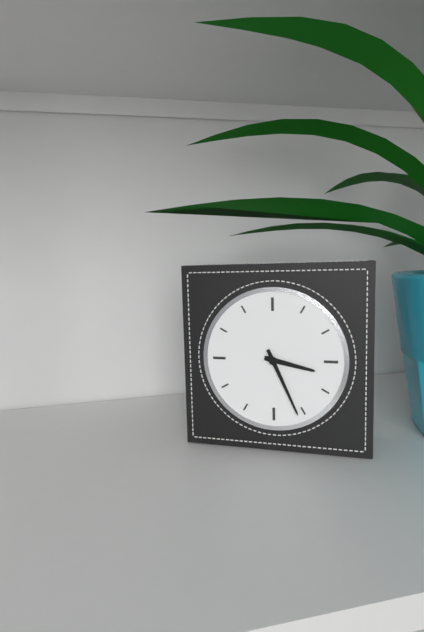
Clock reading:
3.26
